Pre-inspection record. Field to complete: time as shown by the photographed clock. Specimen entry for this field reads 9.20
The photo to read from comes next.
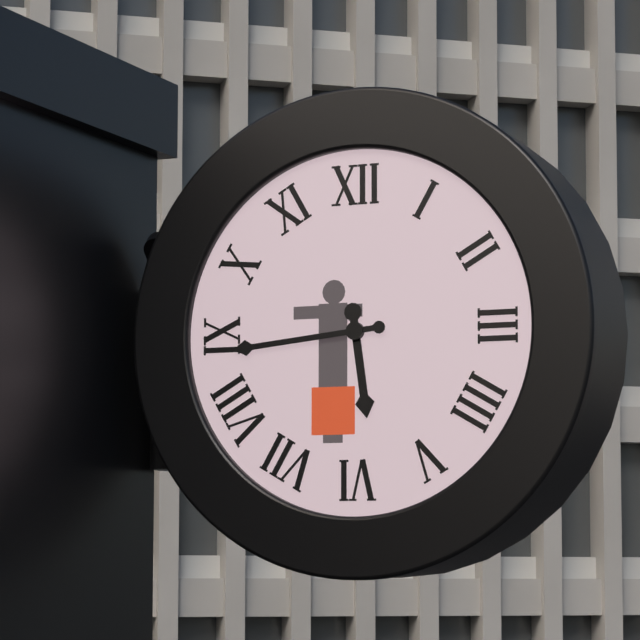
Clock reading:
5.44
